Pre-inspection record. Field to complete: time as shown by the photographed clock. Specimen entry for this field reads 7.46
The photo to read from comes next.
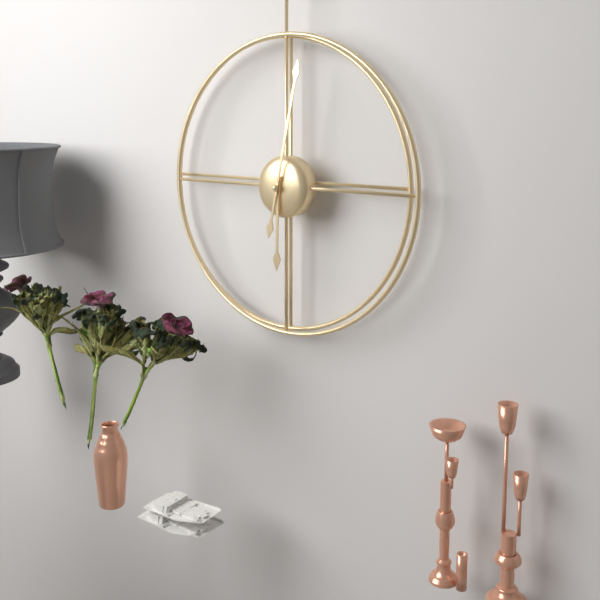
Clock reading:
6.02
